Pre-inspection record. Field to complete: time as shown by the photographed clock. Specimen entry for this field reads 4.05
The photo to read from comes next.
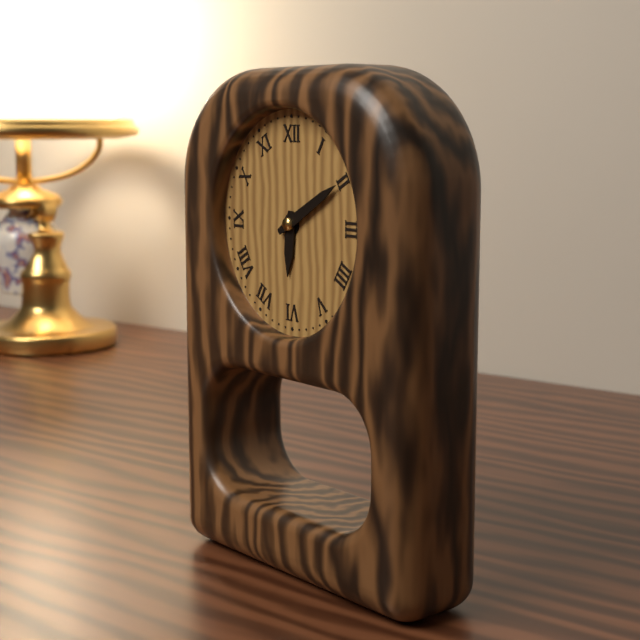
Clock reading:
6.10
